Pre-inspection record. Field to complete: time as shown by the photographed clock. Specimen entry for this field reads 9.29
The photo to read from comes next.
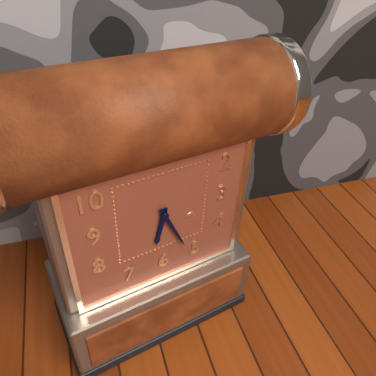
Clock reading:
6.26
